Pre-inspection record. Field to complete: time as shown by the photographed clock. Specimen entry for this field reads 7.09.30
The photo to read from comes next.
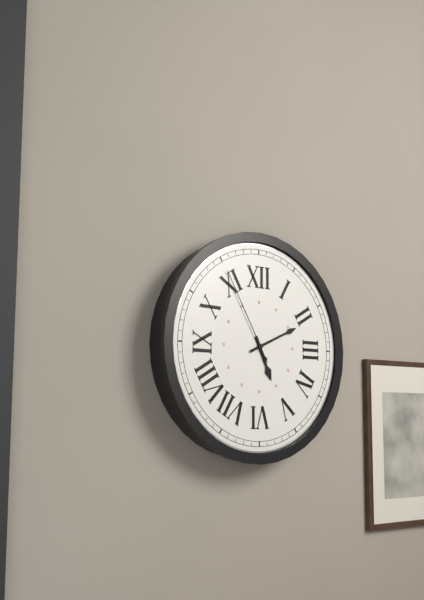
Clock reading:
5.11.55
